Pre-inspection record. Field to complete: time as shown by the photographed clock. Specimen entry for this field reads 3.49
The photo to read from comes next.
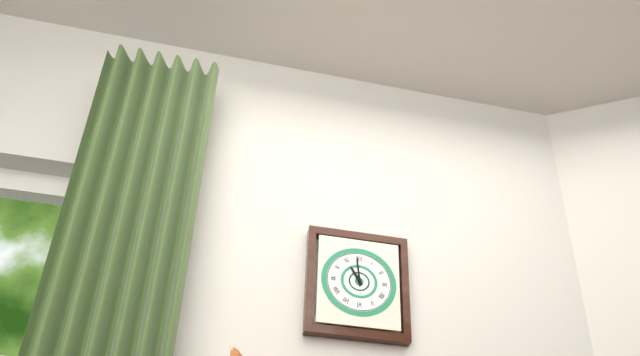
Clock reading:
10.59
